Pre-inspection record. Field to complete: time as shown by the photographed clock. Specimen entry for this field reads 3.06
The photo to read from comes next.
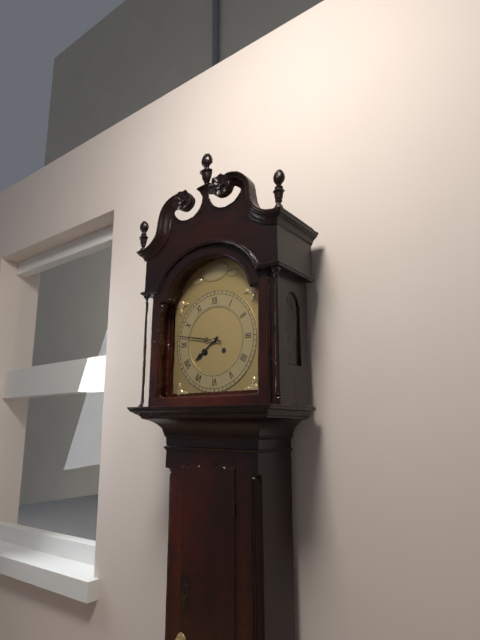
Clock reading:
7.47
